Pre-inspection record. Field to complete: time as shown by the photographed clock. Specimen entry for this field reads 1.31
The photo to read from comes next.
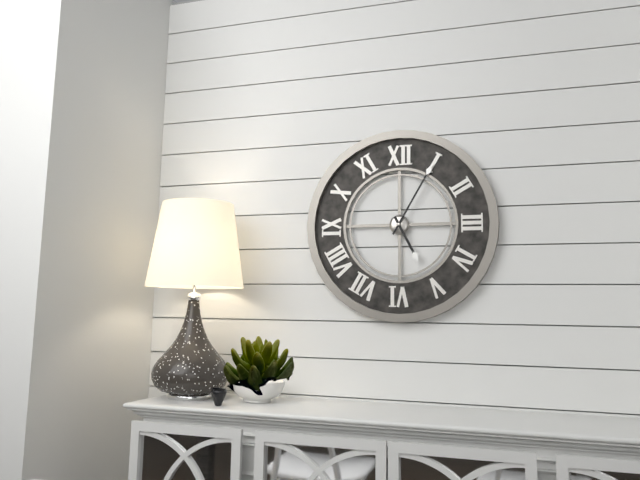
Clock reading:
5.05
